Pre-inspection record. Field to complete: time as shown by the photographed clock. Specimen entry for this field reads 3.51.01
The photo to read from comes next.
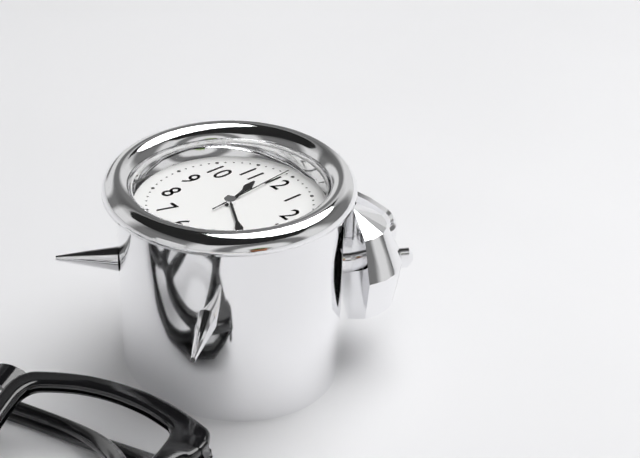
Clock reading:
11.20.59
